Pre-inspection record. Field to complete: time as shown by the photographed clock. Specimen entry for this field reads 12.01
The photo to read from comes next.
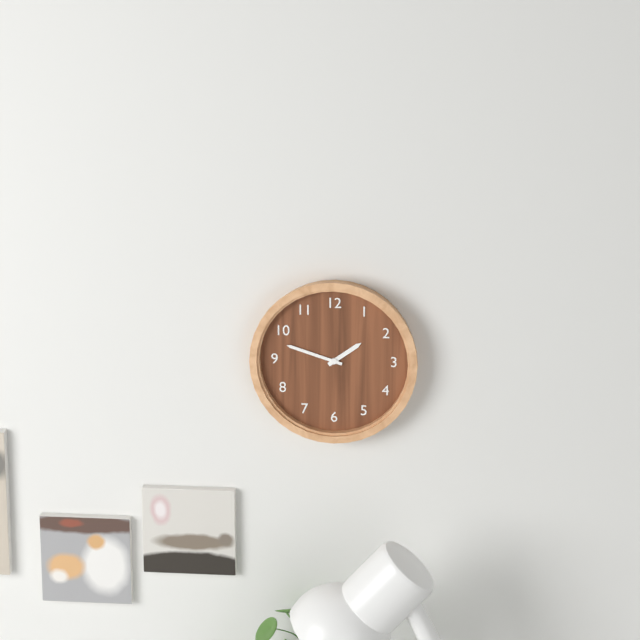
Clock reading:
1.48
